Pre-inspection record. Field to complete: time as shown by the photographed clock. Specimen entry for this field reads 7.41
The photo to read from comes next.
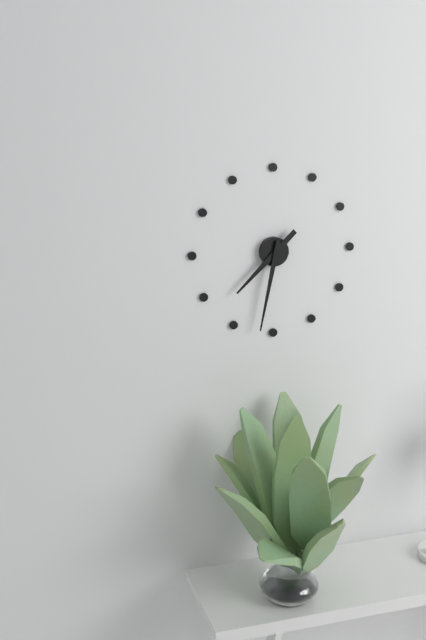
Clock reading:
7.32
